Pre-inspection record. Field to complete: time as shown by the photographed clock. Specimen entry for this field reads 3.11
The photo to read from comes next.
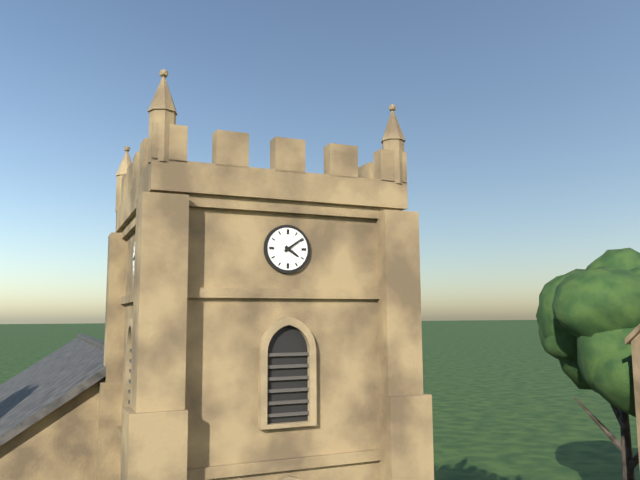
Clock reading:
4.09
